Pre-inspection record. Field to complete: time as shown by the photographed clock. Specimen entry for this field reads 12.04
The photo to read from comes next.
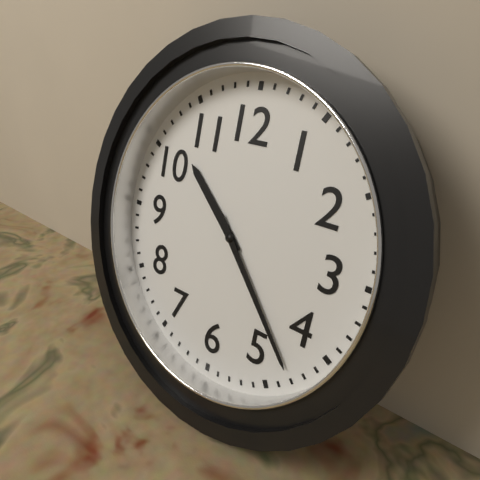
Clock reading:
10.23
